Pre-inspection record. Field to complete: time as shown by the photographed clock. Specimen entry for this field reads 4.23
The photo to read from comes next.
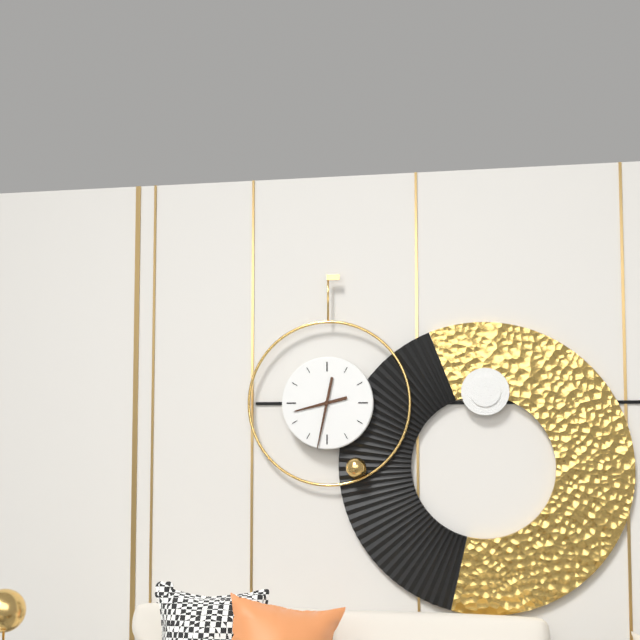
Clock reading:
8.32
